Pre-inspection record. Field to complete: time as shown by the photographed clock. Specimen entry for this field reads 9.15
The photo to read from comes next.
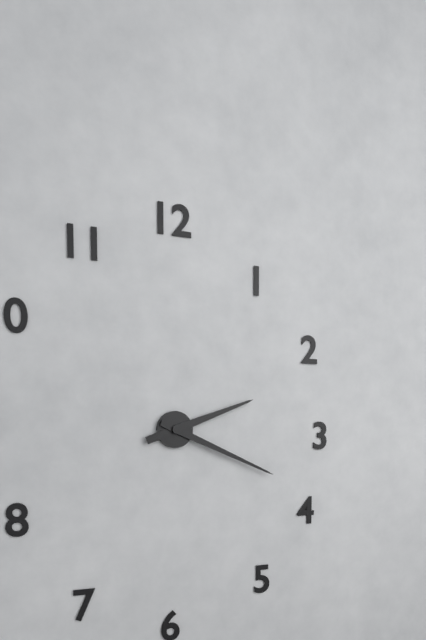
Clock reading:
2.19
